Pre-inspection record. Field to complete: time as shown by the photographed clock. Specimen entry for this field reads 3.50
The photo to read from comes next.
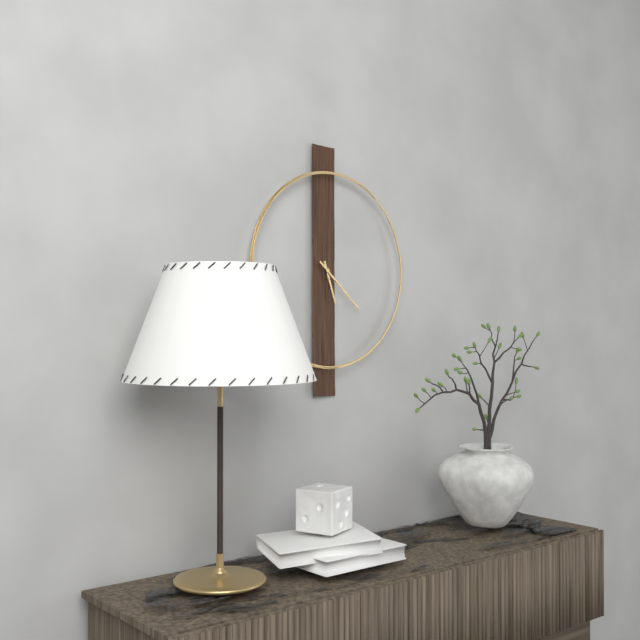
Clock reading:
5.22
